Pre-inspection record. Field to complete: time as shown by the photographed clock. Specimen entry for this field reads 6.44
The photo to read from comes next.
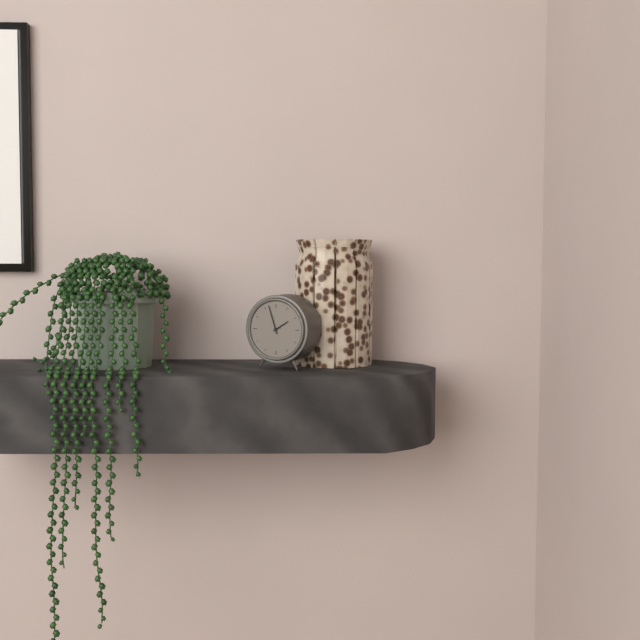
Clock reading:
1.57
